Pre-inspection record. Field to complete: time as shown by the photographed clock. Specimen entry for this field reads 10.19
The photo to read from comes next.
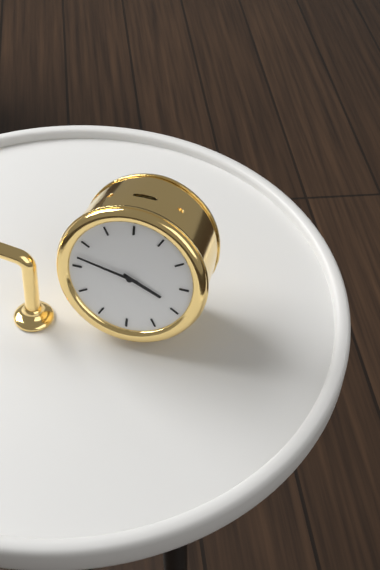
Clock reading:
3.47
